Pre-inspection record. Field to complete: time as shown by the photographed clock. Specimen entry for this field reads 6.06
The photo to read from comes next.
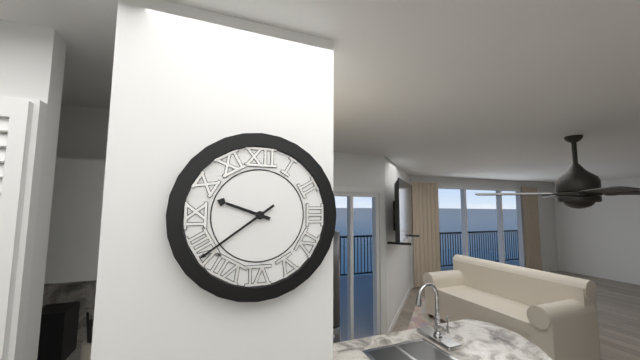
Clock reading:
9.39
